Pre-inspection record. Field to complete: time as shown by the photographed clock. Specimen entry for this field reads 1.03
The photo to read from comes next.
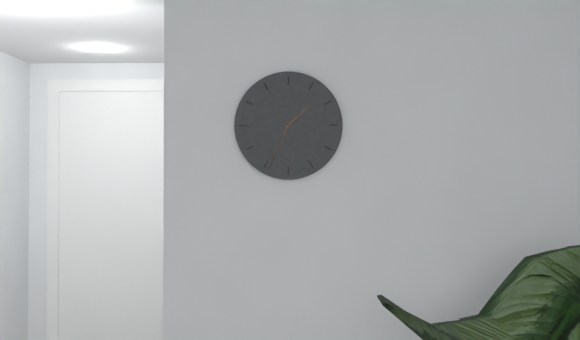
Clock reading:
1.34
